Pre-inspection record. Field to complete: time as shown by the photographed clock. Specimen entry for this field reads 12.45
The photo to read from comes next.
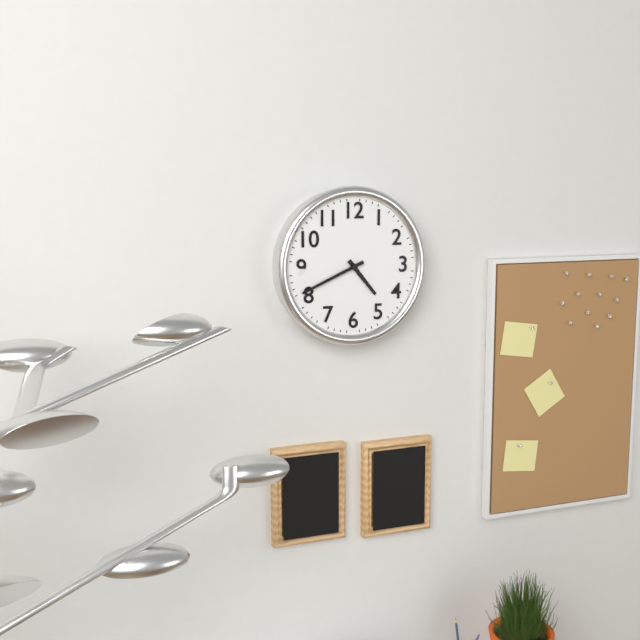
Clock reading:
4.41
